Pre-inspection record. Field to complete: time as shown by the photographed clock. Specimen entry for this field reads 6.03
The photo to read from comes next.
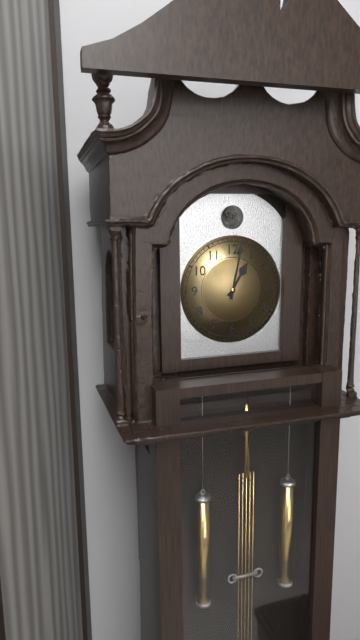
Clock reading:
1.02
